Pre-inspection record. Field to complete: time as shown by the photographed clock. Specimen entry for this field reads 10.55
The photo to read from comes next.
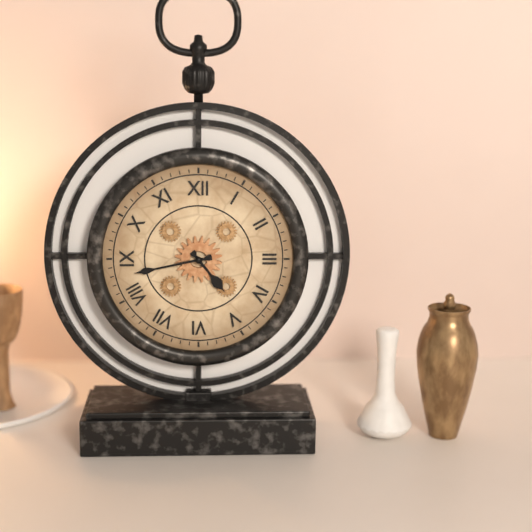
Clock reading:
4.43
